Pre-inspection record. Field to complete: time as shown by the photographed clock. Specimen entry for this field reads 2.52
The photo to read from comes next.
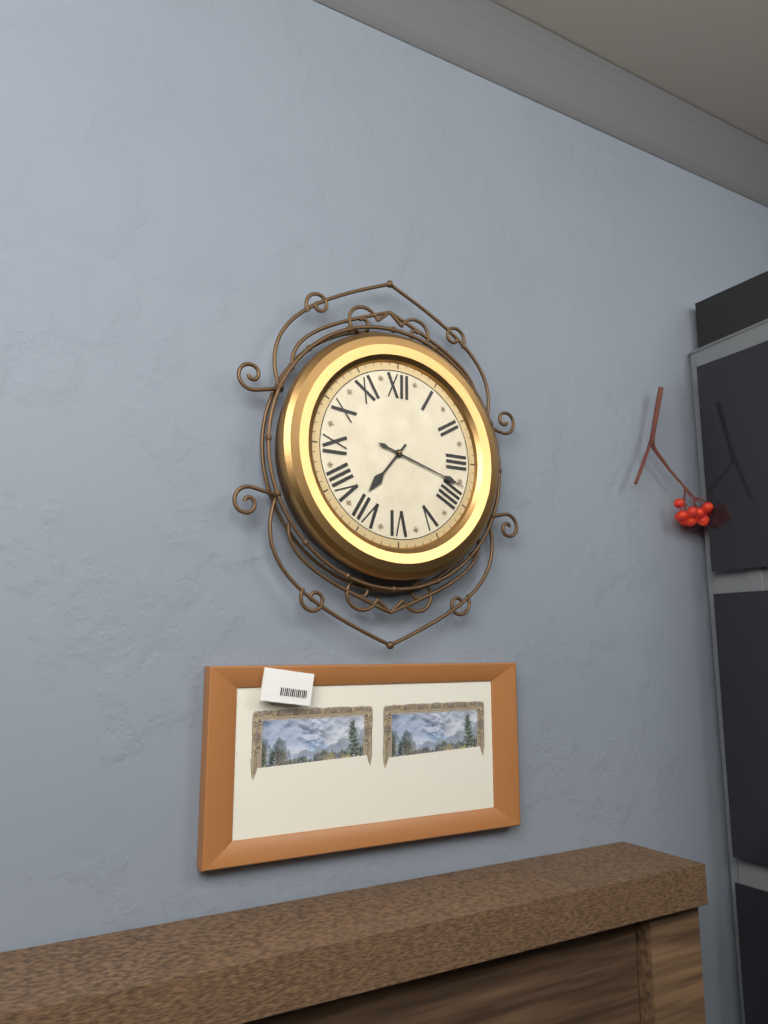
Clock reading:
7.18
